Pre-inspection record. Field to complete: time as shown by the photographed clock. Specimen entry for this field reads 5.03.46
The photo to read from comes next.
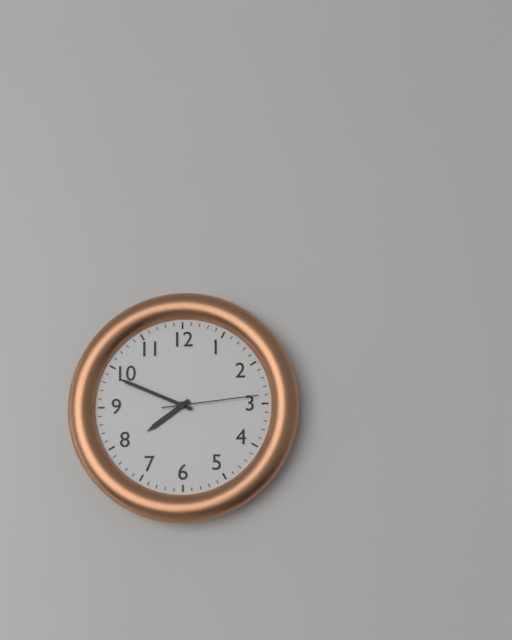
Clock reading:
7.49.14
